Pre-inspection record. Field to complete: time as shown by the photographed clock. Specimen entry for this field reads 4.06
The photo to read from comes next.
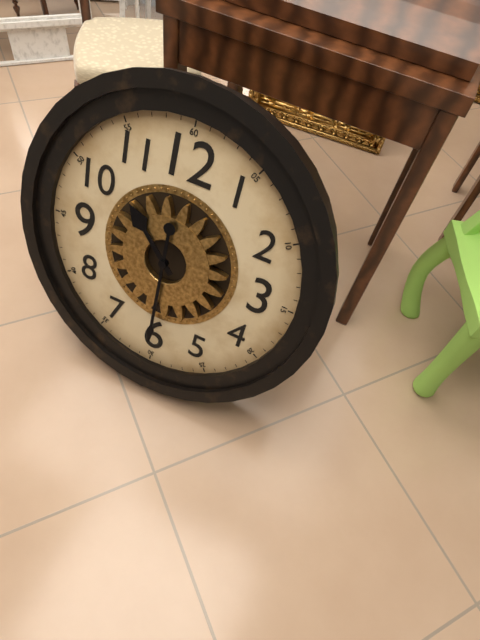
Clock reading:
10.30
